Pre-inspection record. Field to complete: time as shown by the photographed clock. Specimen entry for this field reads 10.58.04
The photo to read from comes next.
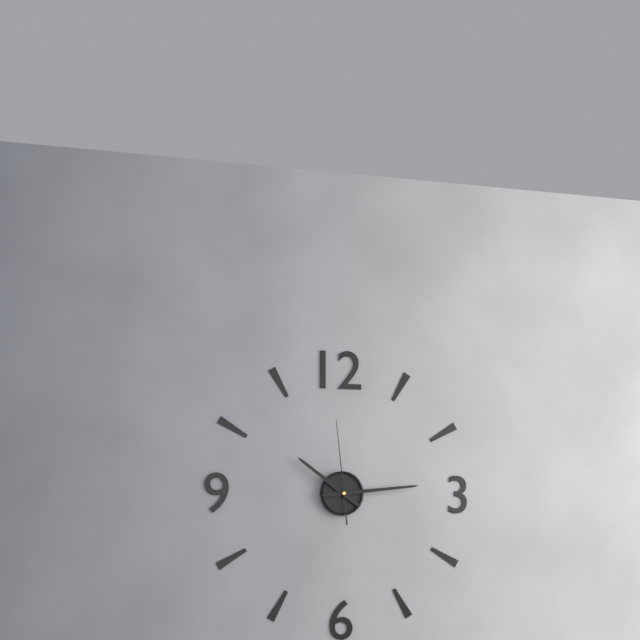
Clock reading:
10.14.59
